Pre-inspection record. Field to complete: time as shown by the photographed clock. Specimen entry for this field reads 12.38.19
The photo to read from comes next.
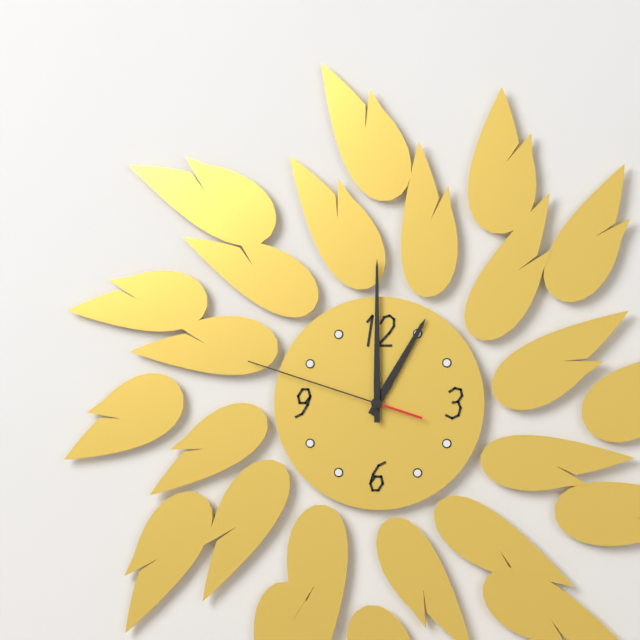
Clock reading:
1.00.48
